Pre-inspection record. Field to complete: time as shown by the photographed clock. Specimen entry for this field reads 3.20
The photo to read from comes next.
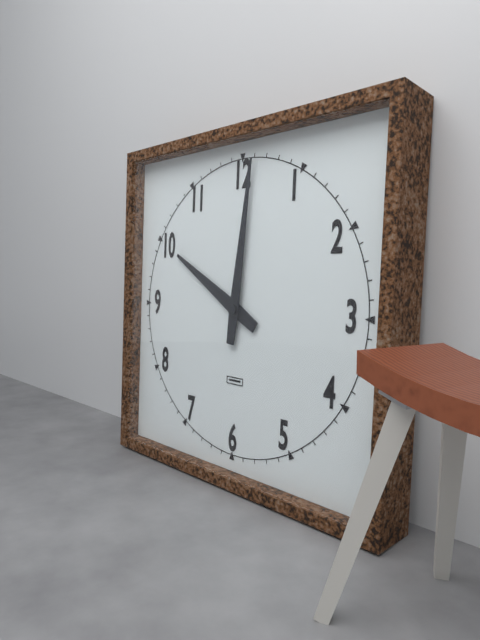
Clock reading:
10.01
